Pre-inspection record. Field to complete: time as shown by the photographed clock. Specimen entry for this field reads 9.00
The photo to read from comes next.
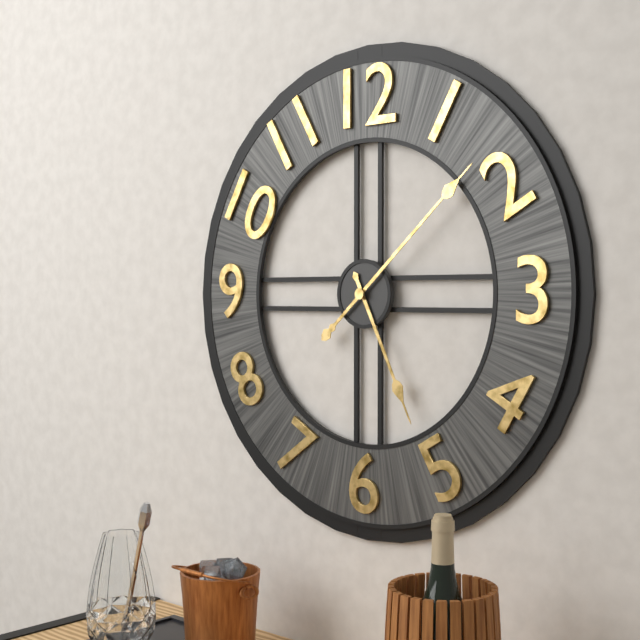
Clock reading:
5.08
